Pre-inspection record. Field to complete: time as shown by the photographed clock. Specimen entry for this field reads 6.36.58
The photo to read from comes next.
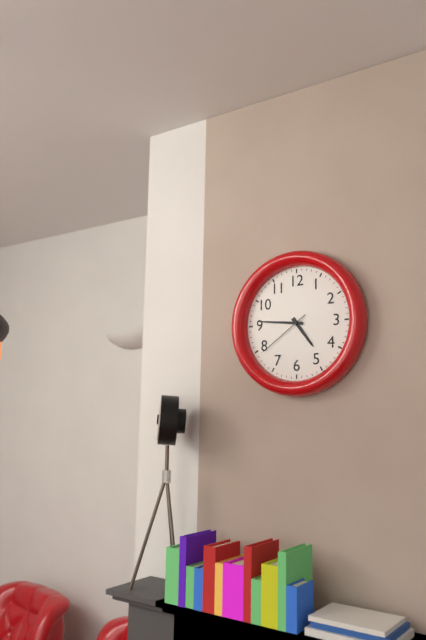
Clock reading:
4.46.39
